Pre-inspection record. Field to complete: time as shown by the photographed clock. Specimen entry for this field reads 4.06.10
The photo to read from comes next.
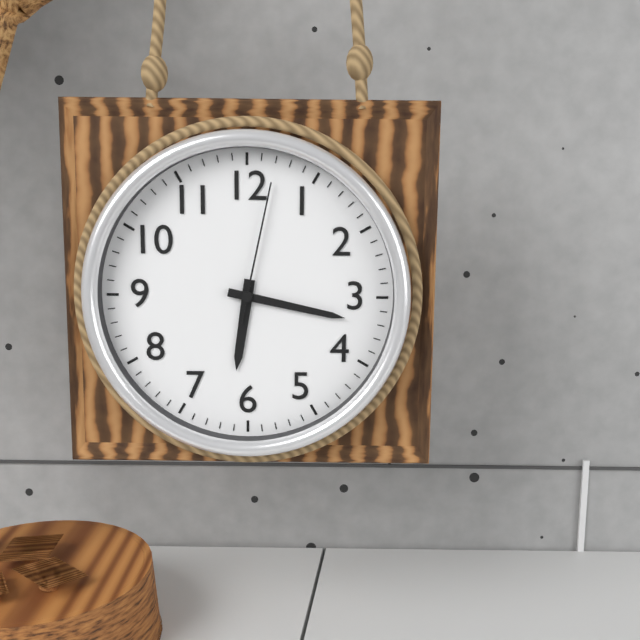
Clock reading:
6.17.02
